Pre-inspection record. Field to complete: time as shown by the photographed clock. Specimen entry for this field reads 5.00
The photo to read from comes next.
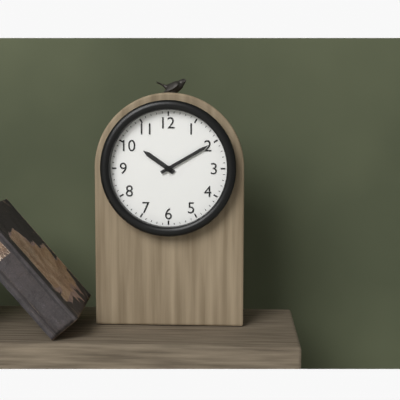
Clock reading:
10.10
